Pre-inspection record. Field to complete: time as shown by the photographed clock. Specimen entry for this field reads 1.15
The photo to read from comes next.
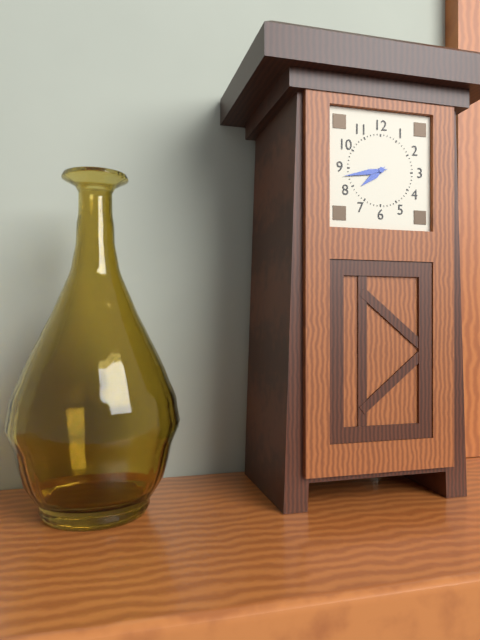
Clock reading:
7.43
